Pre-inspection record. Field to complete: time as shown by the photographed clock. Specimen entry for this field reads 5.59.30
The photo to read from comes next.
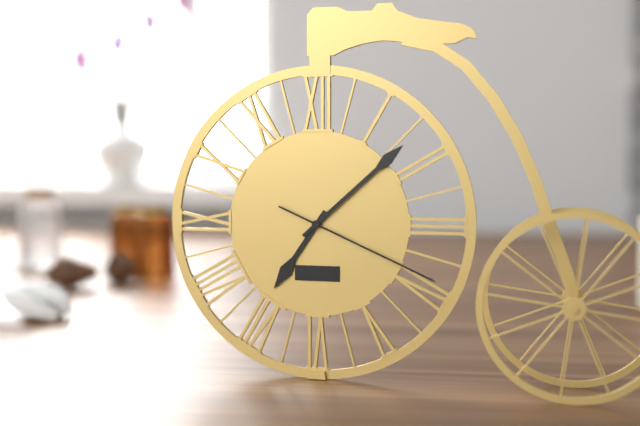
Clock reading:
7.08.19
